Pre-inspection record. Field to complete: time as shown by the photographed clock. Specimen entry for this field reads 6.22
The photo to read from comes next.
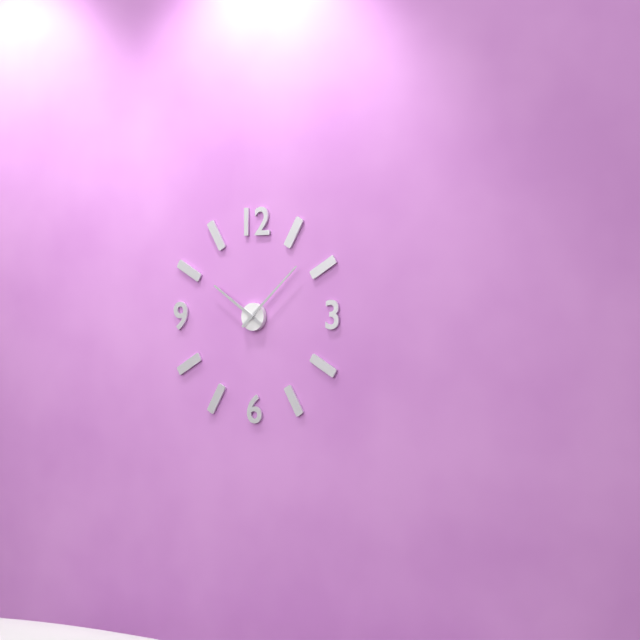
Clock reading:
10.08
